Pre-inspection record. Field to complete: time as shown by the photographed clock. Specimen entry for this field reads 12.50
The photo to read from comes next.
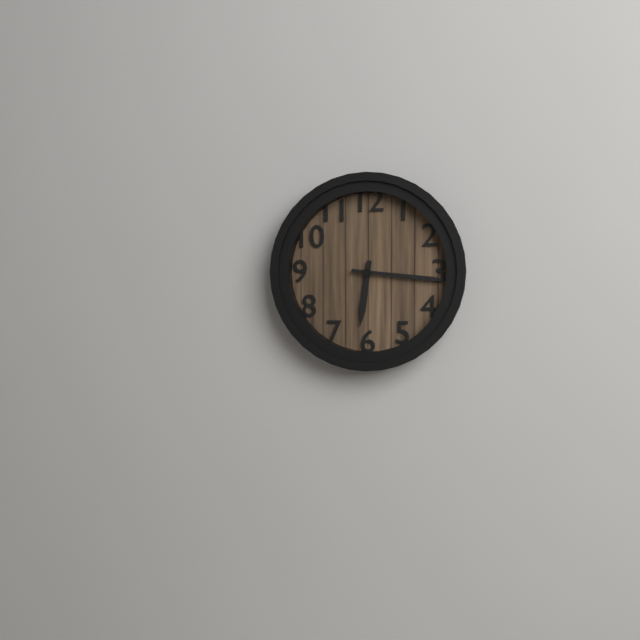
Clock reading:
6.16
